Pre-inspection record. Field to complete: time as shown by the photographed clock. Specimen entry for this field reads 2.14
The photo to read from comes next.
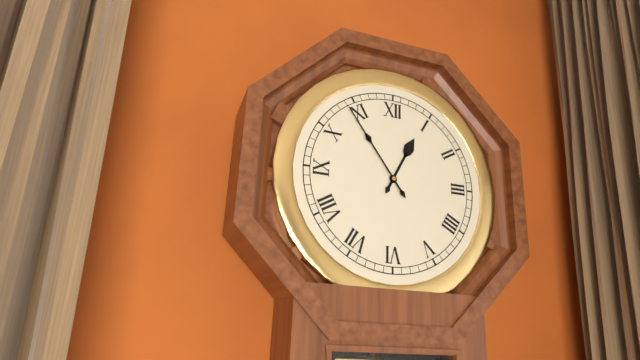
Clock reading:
12.54
